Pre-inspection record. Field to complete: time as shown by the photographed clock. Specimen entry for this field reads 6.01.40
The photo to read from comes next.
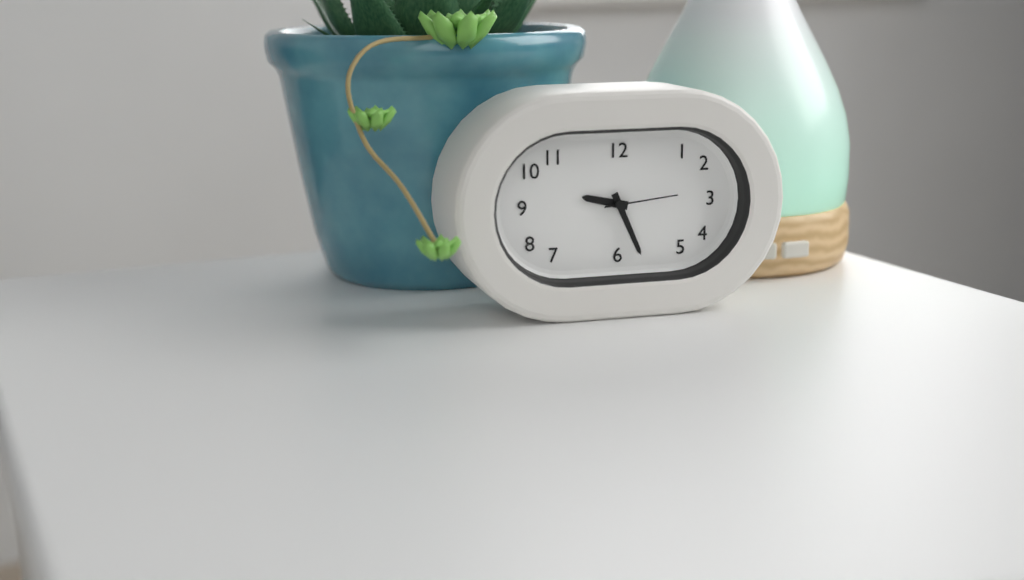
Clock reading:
9.26.14
